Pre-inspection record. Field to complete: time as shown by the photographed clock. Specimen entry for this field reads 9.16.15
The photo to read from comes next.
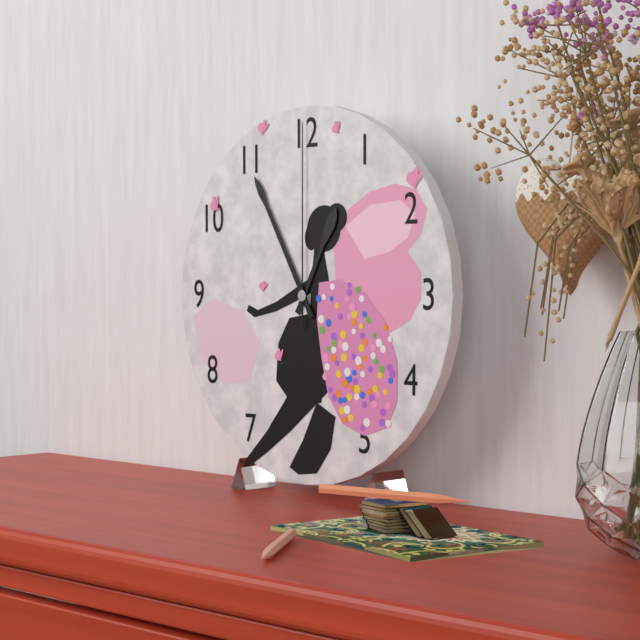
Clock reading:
12.55.00
